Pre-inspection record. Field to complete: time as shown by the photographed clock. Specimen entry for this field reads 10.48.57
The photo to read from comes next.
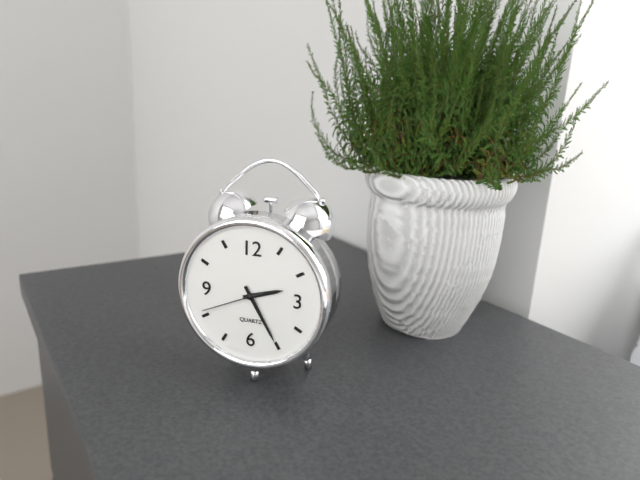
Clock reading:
2.25.41
